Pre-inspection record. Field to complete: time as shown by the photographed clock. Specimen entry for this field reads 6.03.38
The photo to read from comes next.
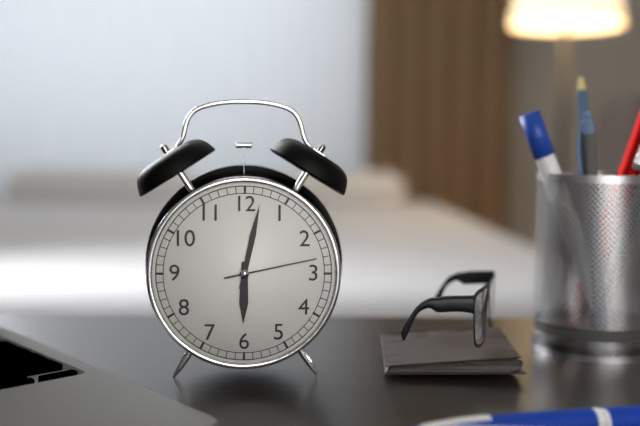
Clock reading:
6.02.13
